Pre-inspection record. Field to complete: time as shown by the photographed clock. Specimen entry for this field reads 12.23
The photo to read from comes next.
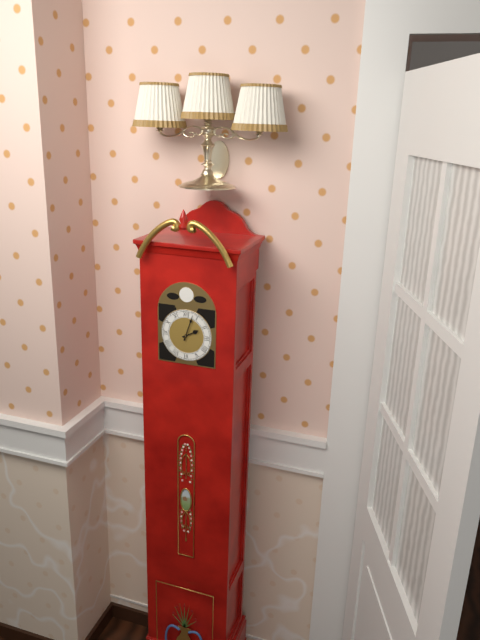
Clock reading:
2.03
